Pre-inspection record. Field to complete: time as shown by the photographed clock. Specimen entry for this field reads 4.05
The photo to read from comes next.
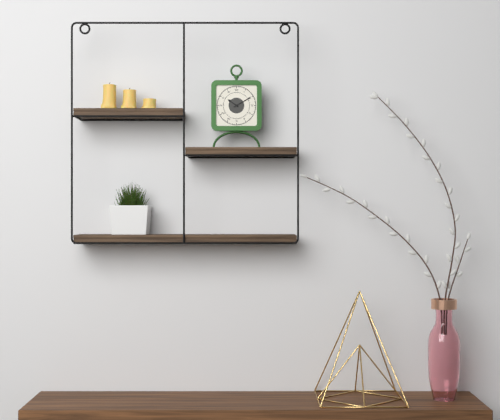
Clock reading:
10.10
